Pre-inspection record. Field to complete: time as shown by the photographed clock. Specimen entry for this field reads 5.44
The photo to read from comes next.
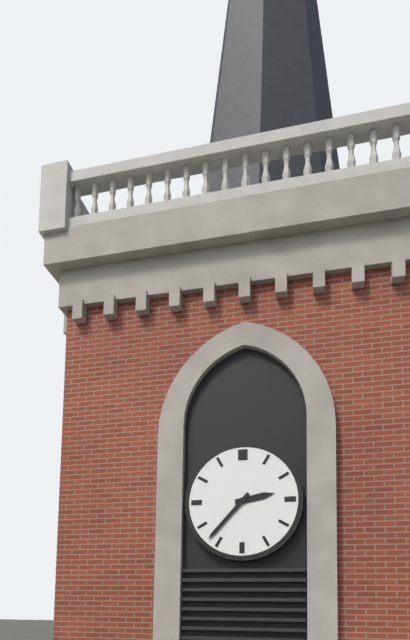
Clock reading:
2.37
